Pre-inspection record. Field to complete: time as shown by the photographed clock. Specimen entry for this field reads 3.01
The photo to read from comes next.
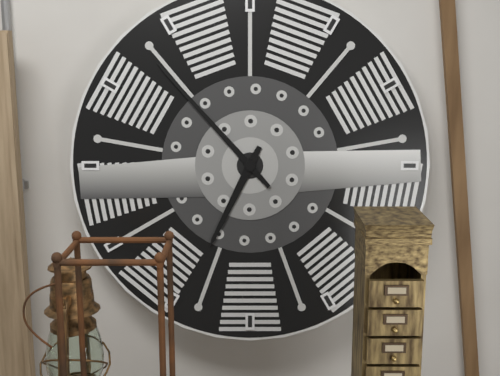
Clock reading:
6.53
